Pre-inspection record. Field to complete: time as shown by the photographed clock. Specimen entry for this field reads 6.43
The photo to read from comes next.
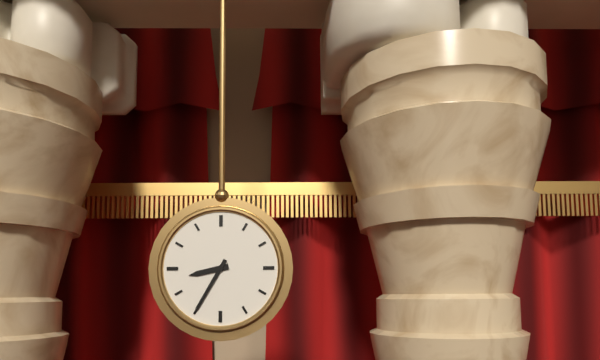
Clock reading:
8.35
